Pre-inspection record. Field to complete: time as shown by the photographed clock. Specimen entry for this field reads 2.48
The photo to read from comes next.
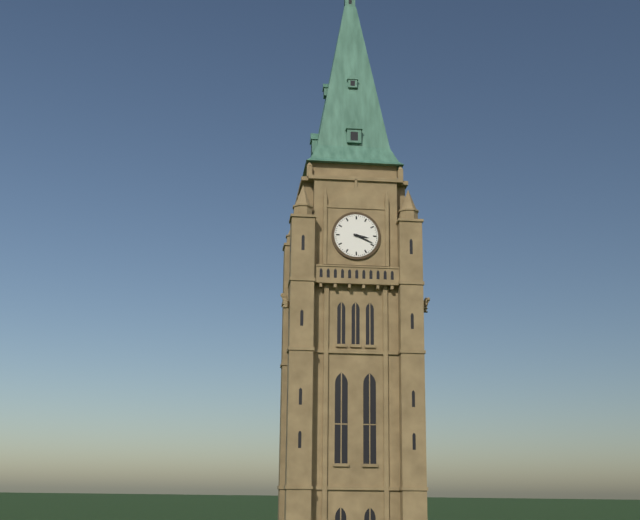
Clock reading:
3.19
